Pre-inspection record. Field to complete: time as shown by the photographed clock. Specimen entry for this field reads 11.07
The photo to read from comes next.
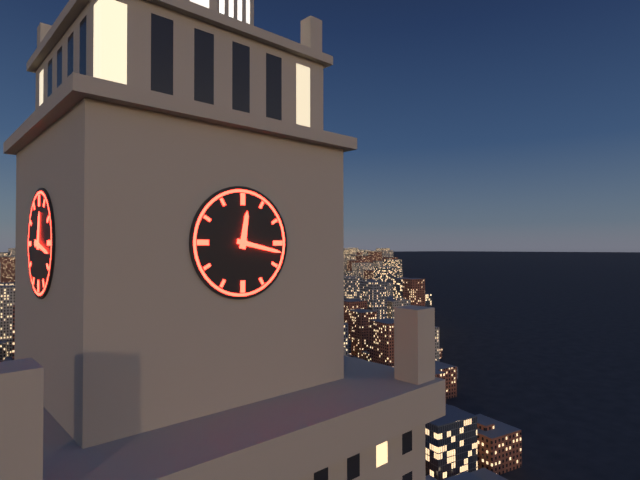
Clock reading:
12.17
